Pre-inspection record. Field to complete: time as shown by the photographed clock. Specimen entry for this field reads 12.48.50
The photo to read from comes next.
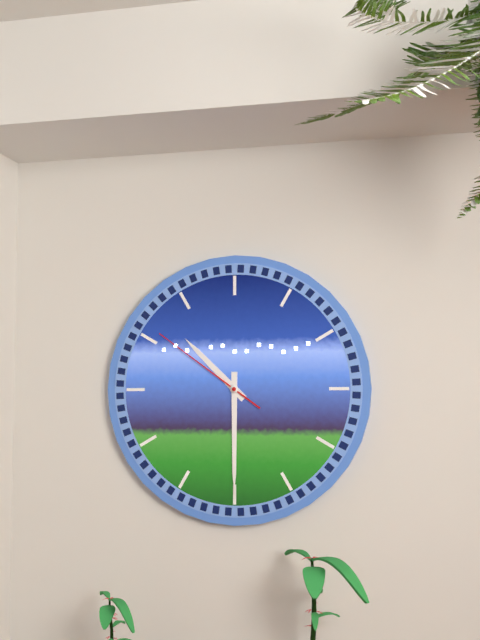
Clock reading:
10.30.51
